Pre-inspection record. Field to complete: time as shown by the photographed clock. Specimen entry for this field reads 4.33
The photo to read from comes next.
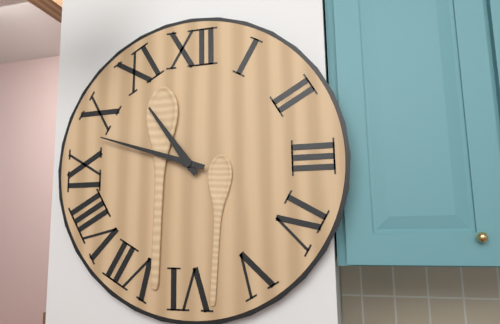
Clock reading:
10.48
